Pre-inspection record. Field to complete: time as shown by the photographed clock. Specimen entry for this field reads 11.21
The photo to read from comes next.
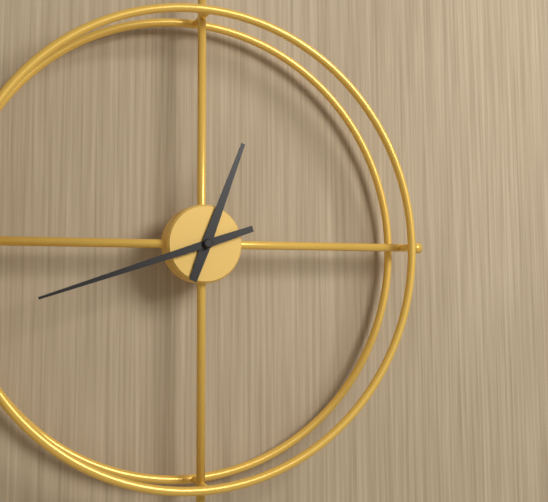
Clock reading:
12.42
